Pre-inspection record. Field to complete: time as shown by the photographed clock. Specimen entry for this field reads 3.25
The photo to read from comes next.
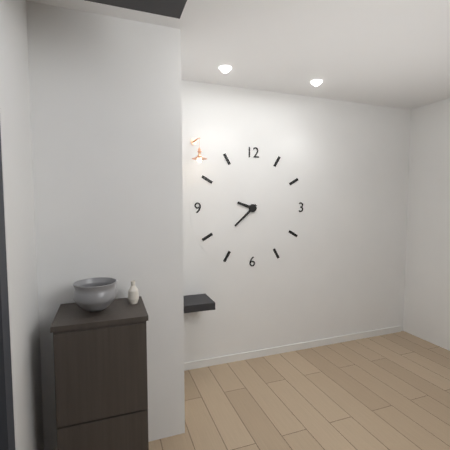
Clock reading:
9.38
